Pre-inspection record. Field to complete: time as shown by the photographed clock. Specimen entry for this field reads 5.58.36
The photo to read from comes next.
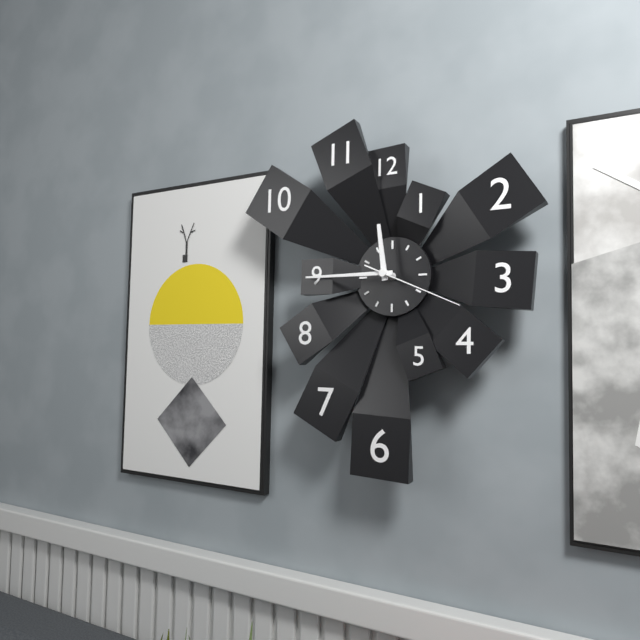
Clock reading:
11.45.19
